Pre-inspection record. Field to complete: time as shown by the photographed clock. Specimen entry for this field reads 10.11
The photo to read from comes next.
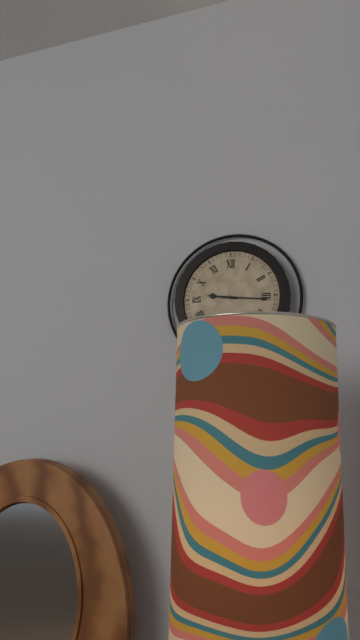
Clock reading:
9.16
